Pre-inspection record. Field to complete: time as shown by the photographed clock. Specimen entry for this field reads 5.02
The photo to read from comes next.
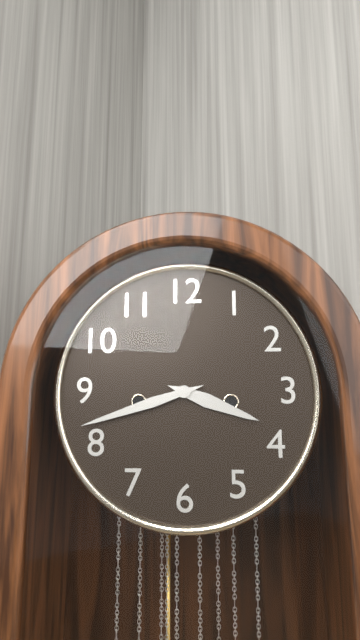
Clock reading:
3.42
